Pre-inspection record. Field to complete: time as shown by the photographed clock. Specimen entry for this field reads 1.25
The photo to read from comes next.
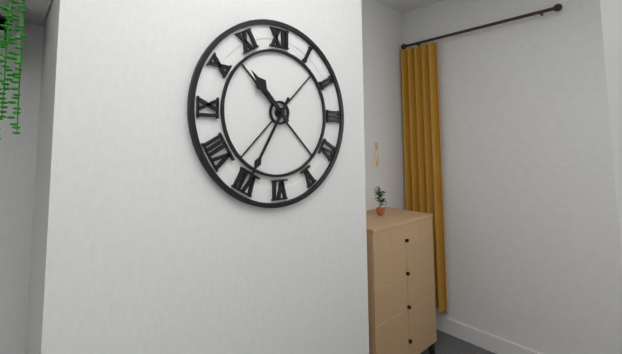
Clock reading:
10.35
